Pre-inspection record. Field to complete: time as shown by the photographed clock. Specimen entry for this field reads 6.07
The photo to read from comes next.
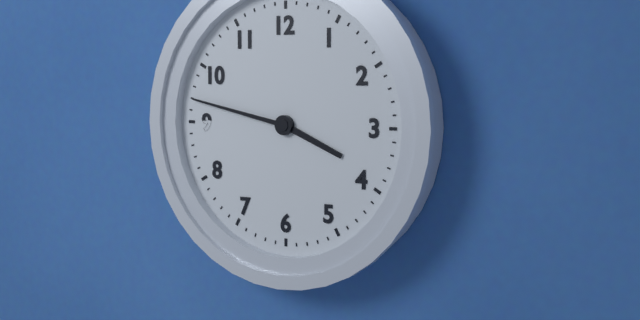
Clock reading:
3.47
